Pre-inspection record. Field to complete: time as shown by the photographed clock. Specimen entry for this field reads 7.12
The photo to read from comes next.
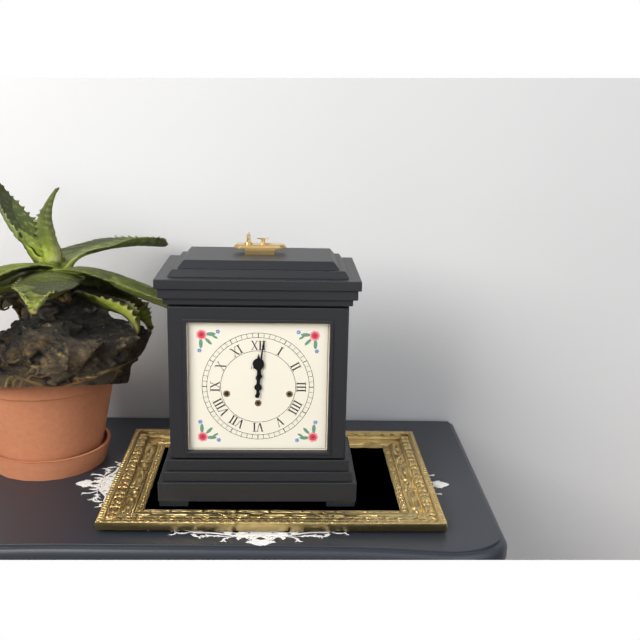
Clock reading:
12.01
